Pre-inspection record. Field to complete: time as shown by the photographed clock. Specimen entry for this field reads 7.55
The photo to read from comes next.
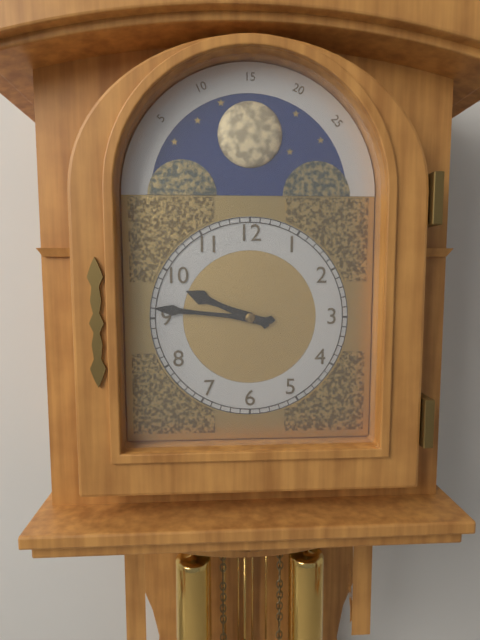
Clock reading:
9.46
